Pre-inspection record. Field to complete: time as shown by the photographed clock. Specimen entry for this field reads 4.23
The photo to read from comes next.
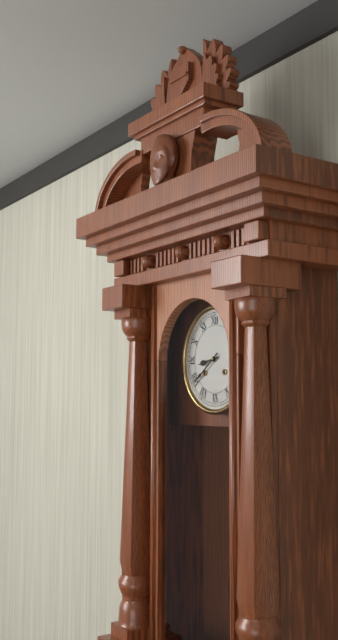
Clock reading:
8.39
